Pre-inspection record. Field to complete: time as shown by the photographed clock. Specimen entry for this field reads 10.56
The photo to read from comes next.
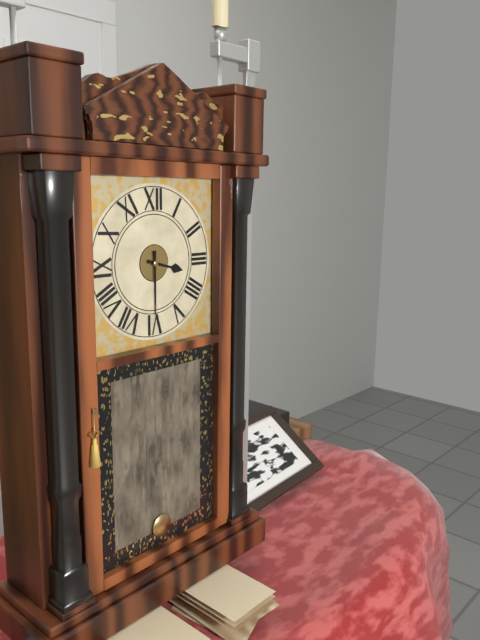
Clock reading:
3.30
